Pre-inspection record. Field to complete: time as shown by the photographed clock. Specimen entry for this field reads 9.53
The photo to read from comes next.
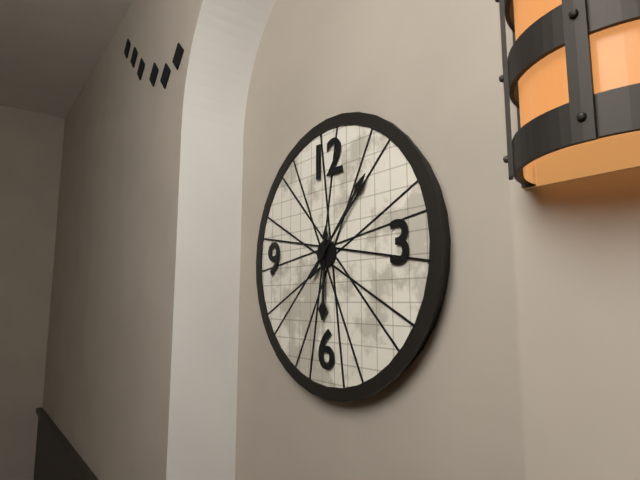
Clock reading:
6.07
